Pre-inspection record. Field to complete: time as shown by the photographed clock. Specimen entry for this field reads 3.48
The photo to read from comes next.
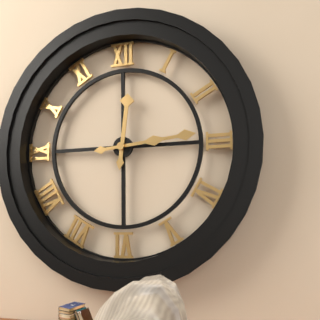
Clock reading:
12.14
